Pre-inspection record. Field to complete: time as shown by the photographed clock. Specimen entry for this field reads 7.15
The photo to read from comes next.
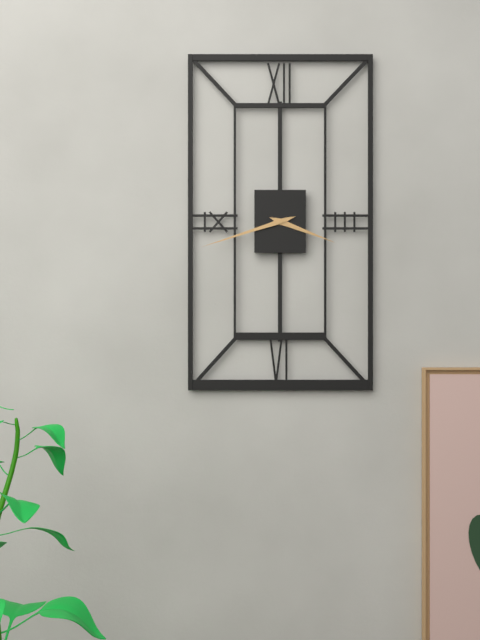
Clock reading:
3.42
